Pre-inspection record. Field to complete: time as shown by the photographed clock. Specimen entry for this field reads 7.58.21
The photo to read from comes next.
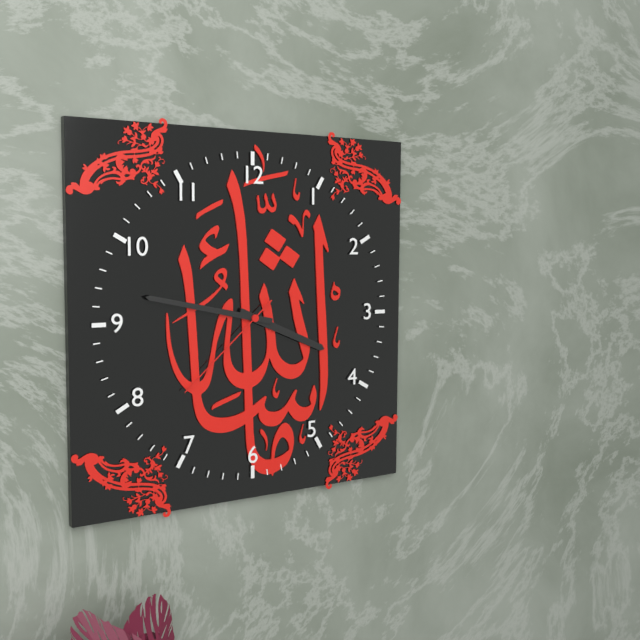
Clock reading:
3.47.38
